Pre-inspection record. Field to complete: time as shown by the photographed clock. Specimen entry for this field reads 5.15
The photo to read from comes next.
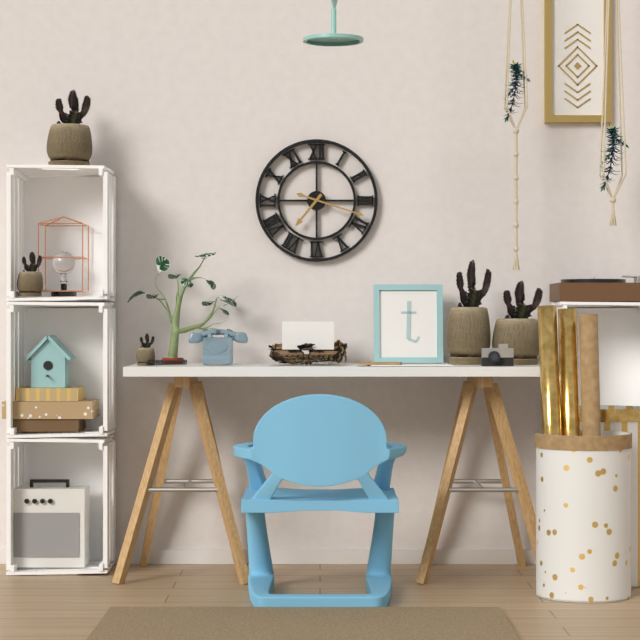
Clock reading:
7.18
